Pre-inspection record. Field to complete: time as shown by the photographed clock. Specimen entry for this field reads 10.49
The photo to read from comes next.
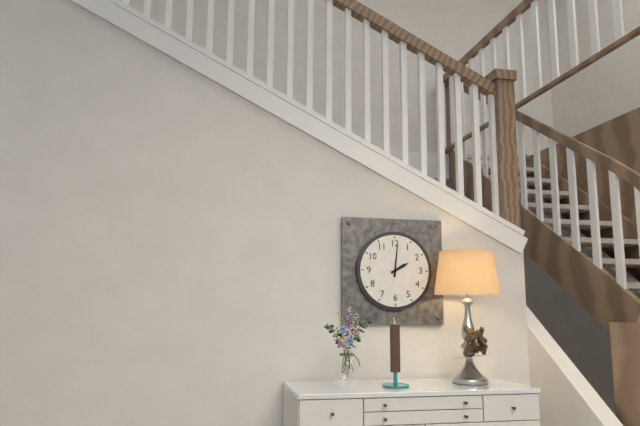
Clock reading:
2.01
